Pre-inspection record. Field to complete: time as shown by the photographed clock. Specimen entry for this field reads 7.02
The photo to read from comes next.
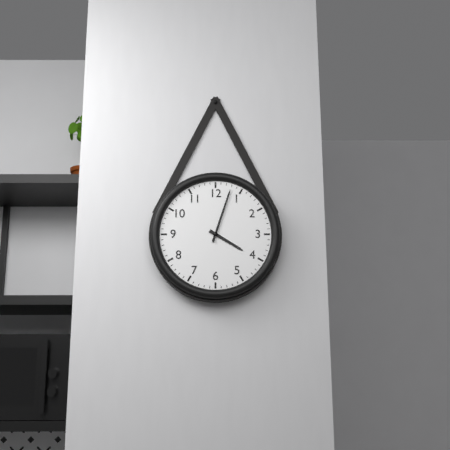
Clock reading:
4.03
